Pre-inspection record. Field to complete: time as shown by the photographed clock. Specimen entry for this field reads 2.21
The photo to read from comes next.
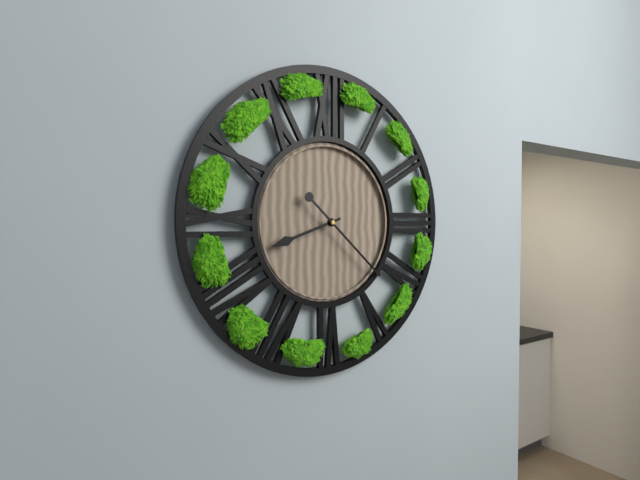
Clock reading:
8.22
